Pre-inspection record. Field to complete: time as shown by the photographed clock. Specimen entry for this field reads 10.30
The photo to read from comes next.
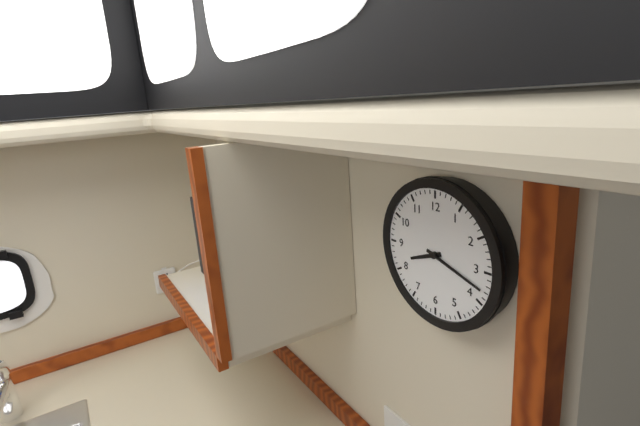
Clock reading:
8.18
